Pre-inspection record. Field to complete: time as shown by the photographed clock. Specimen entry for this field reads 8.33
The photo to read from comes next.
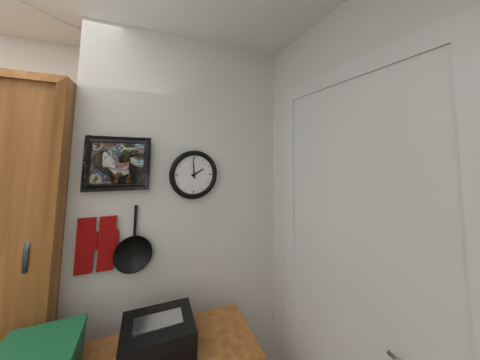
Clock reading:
1.59
